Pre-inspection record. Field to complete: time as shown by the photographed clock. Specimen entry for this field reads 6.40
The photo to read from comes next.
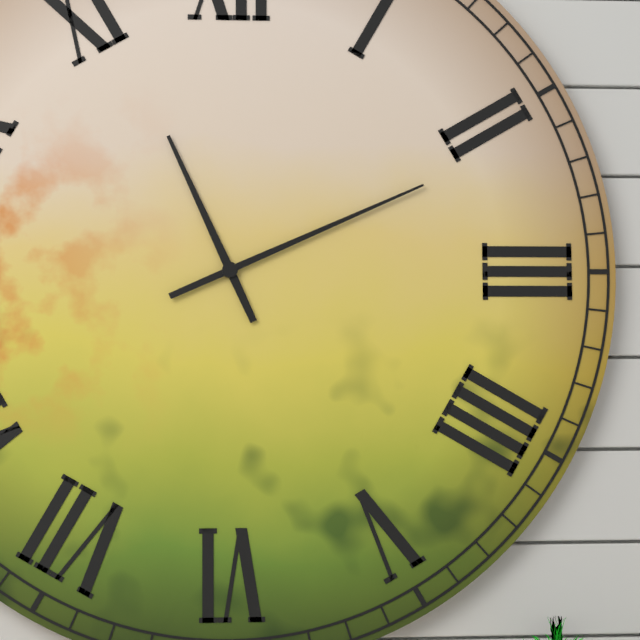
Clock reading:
11.11
